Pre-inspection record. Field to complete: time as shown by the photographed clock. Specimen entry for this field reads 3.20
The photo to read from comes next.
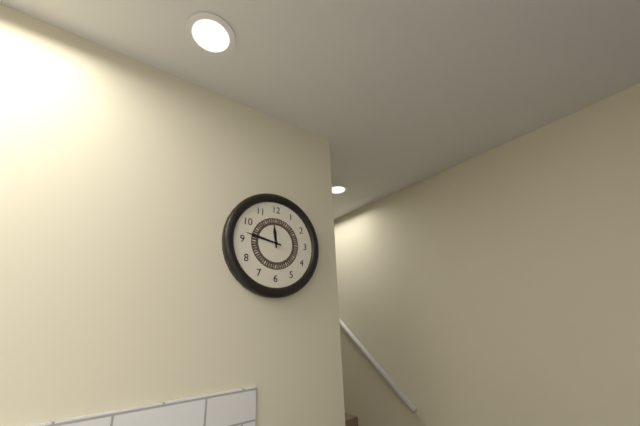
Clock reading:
11.47
